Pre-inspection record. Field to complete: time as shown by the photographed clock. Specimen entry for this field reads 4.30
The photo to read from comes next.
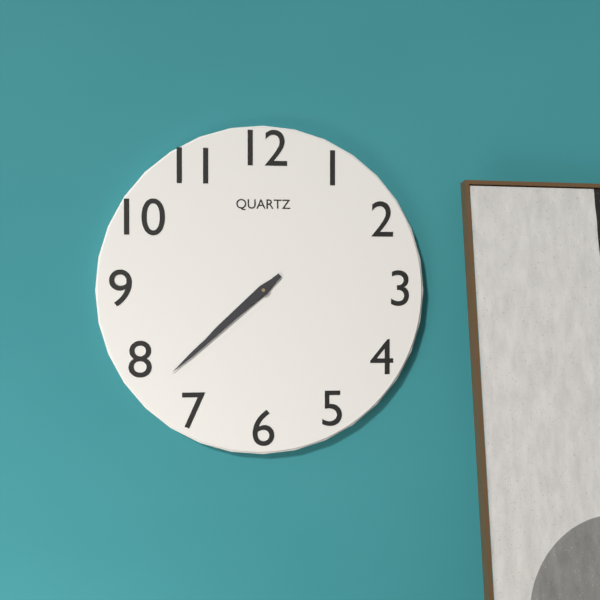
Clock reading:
7.38
